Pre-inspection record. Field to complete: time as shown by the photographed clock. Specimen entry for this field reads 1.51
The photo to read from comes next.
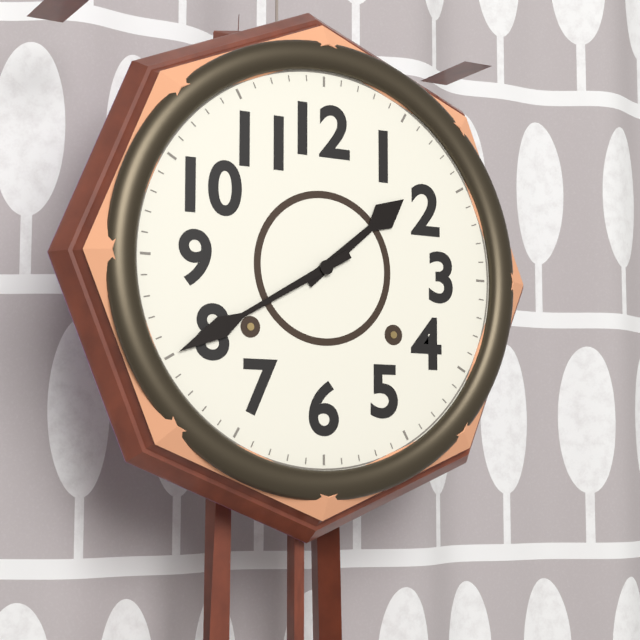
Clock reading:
1.40
